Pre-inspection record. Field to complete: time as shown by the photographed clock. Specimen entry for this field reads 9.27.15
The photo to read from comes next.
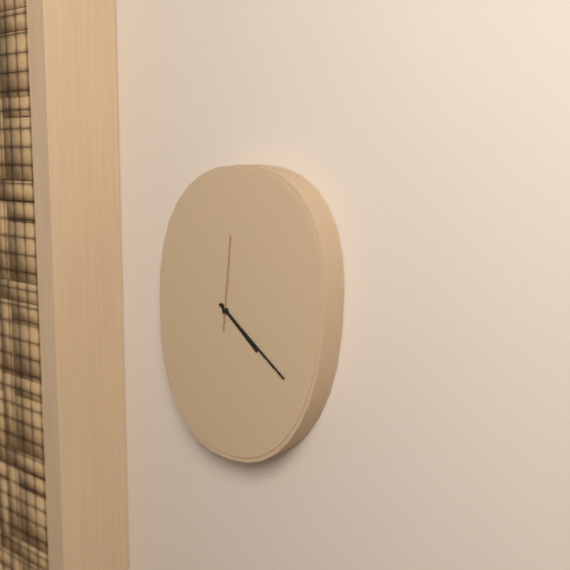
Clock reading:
4.21.01
